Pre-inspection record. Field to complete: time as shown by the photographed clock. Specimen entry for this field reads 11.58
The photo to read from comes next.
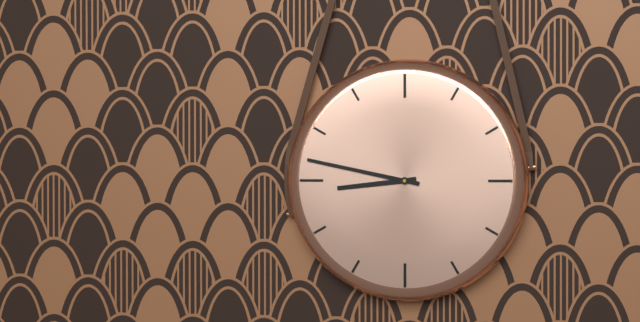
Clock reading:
8.47
